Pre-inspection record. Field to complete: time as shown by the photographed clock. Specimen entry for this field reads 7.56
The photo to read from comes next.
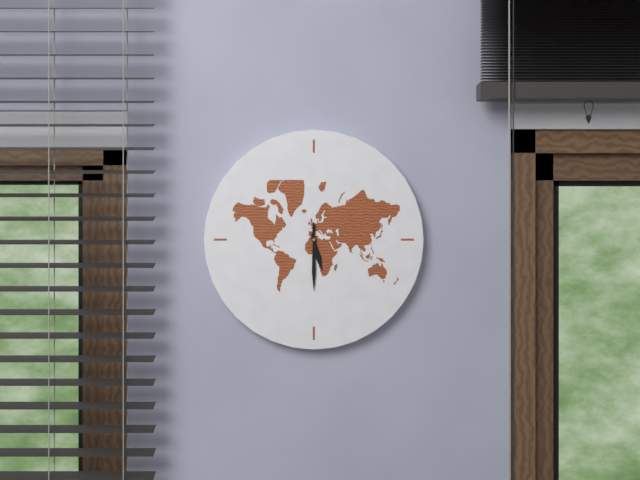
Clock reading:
5.30
